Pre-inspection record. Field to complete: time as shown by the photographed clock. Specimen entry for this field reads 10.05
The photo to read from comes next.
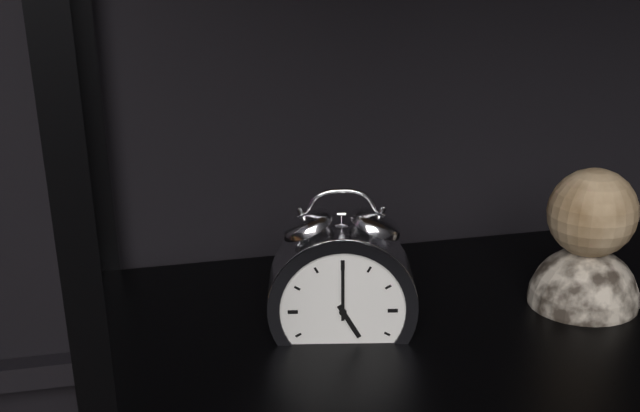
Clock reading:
5.00
